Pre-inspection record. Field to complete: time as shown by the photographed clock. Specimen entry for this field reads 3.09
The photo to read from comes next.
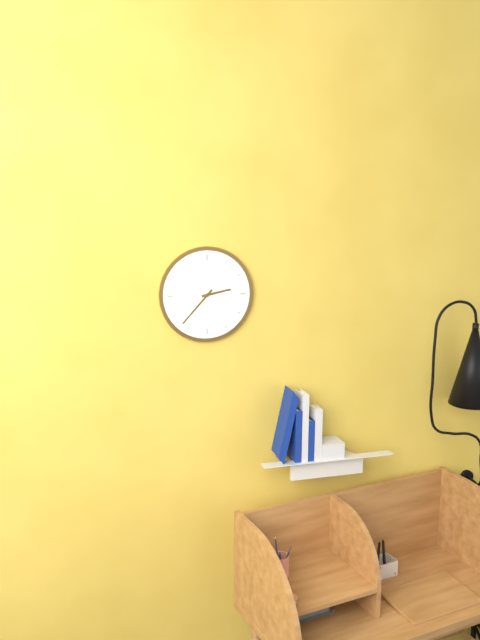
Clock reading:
2.37
